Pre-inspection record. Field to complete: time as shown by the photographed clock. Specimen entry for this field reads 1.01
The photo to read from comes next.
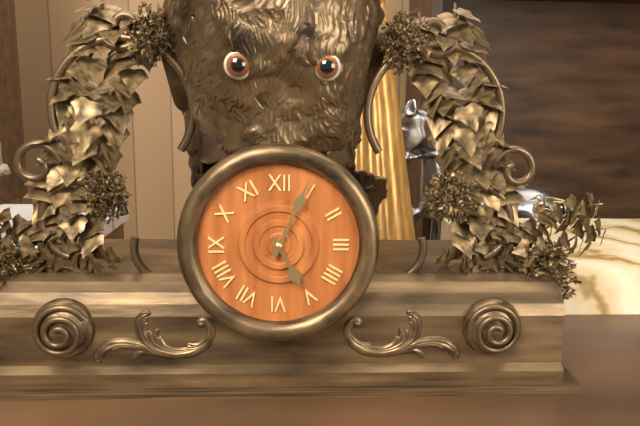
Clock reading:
5.04
